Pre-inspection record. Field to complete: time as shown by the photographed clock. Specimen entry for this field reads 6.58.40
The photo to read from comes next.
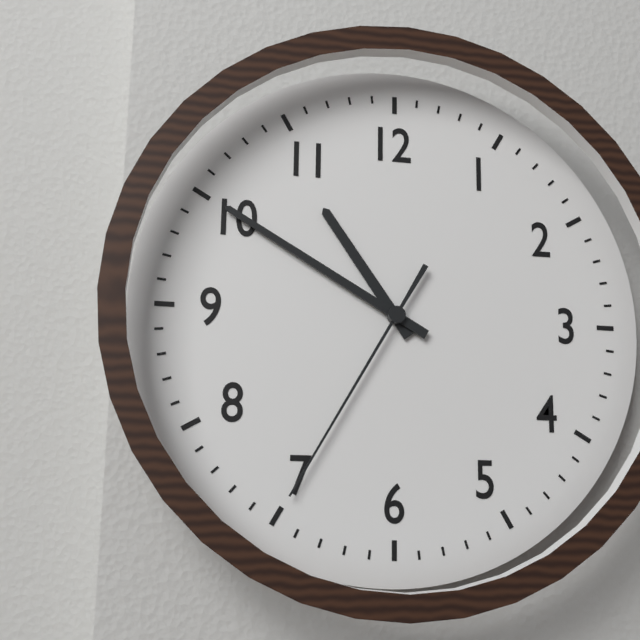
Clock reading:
10.50.35
